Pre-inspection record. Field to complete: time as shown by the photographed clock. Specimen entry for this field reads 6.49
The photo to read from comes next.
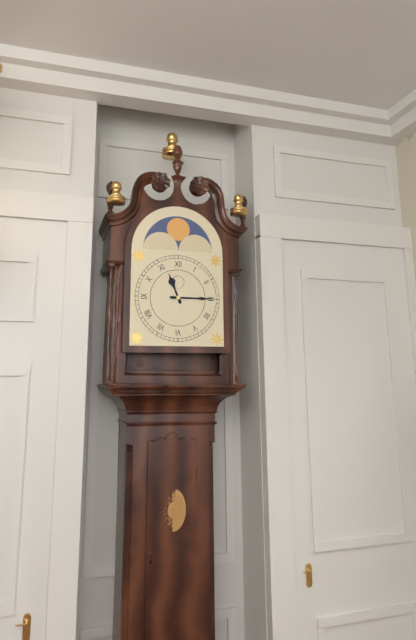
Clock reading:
11.15
